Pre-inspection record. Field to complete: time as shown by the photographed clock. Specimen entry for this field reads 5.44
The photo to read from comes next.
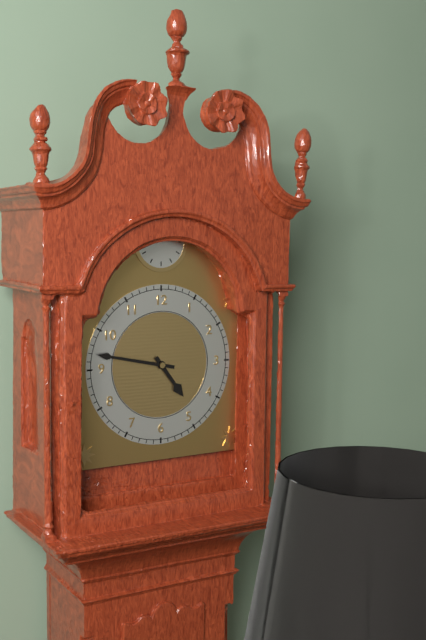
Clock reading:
4.47
